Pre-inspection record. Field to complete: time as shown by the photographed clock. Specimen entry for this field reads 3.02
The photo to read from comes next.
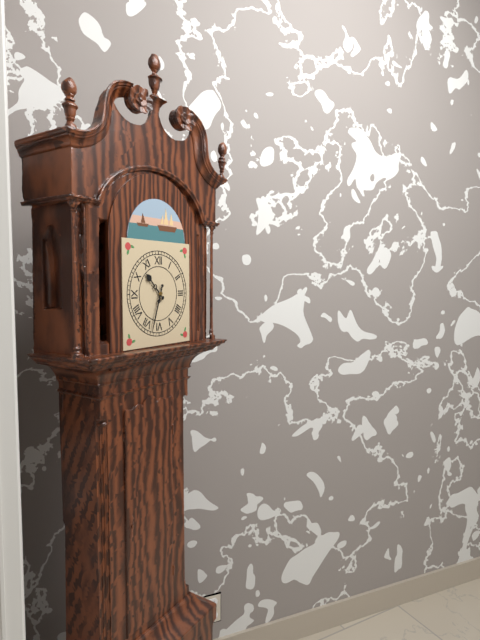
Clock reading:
10.33
